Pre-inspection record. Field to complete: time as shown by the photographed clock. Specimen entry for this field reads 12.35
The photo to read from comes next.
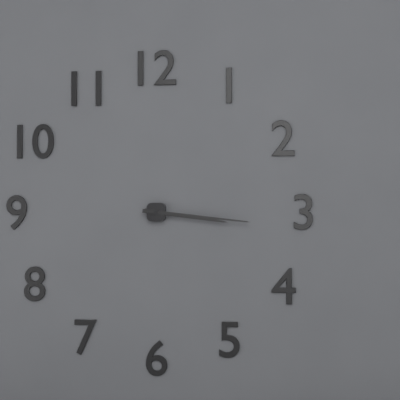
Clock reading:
3.16
